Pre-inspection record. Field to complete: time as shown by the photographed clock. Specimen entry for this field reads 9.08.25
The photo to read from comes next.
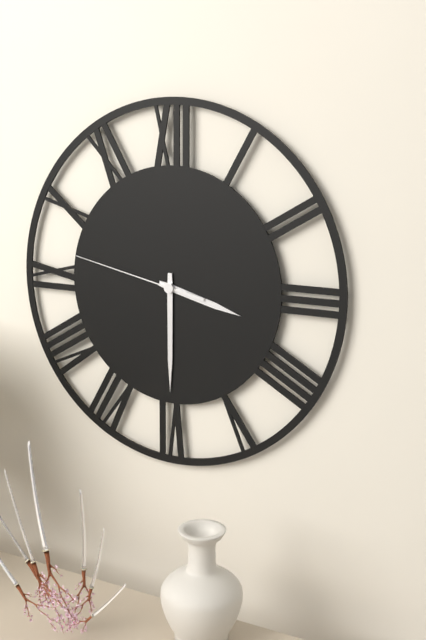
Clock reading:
3.30.47
